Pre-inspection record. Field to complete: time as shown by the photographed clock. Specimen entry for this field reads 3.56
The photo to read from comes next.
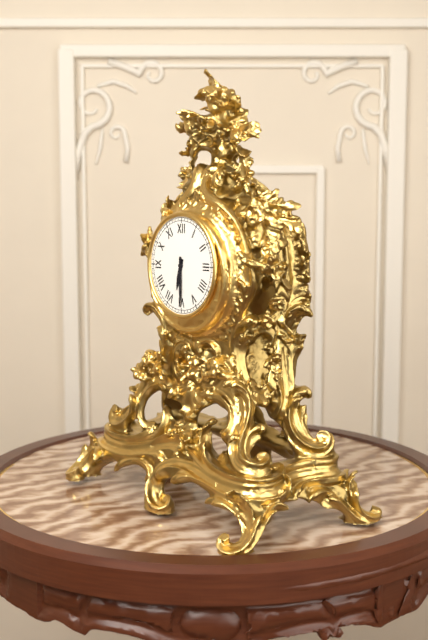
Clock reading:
6.30
